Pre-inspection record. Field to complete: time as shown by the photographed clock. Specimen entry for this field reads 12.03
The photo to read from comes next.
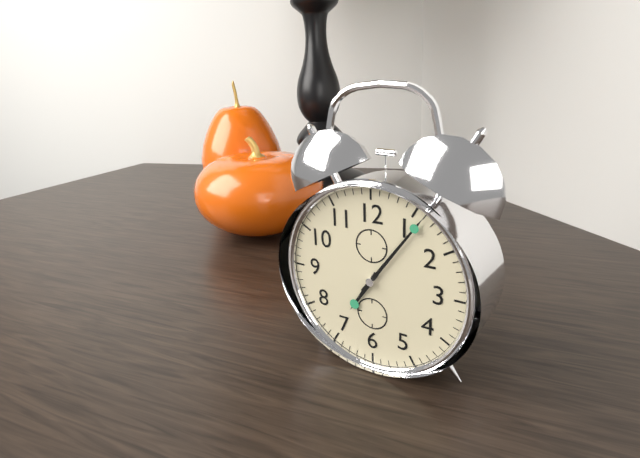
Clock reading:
7.06
